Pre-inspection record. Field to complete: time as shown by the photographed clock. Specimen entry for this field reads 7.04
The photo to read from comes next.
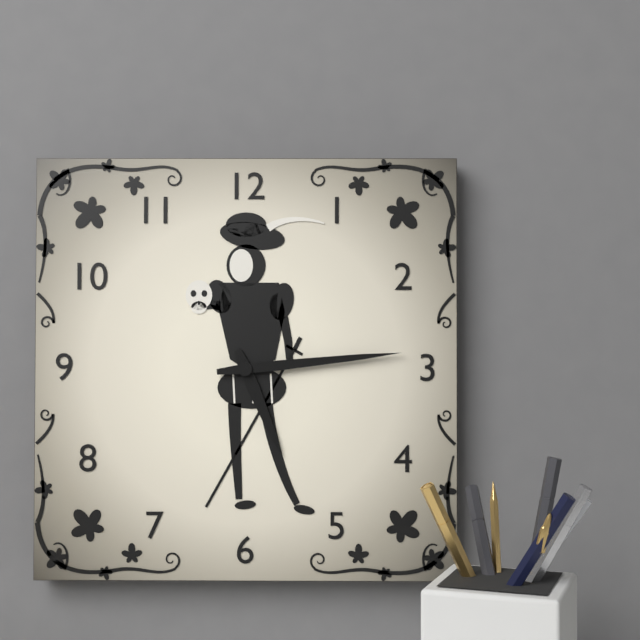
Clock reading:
5.14
